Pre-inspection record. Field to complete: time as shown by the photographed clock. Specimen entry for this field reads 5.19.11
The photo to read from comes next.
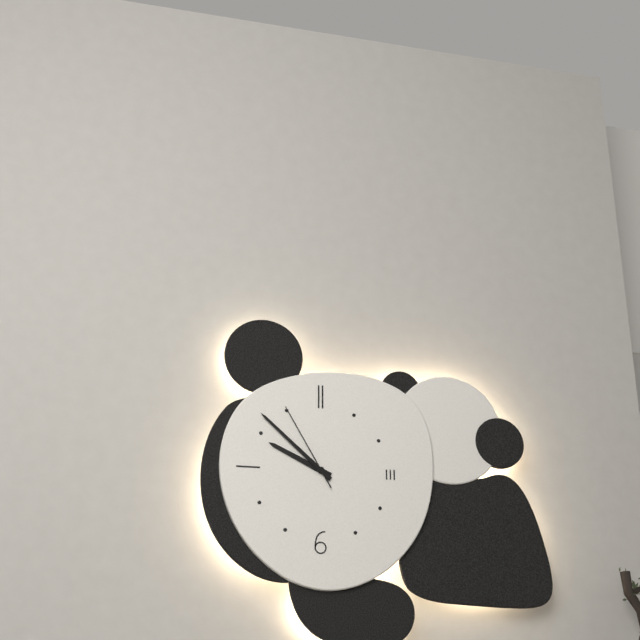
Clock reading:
9.52.55
